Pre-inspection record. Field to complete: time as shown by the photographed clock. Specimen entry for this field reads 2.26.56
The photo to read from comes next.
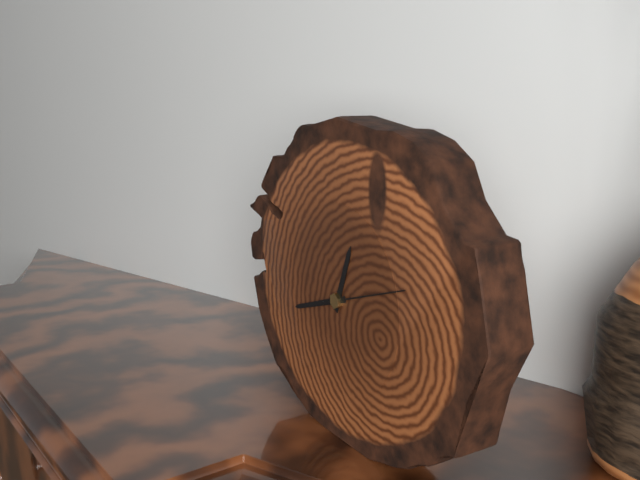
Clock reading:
12.42.12
